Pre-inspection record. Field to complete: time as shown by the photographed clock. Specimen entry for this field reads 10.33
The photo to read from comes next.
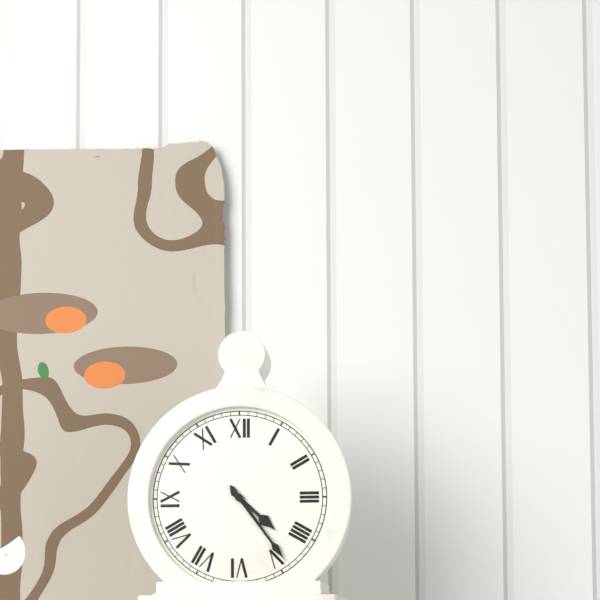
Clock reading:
4.24
